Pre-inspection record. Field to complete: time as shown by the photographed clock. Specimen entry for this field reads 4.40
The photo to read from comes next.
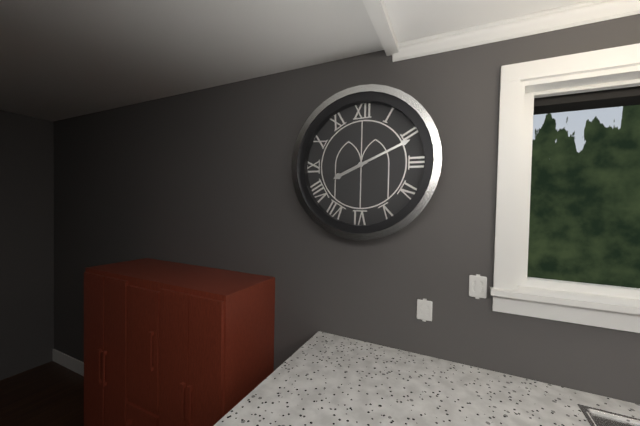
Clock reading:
8.11
